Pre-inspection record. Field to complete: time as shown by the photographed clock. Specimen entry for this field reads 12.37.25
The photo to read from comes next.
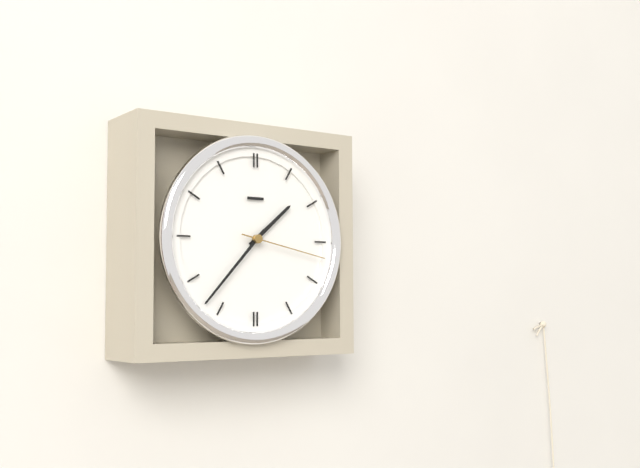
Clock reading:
1.37.17
